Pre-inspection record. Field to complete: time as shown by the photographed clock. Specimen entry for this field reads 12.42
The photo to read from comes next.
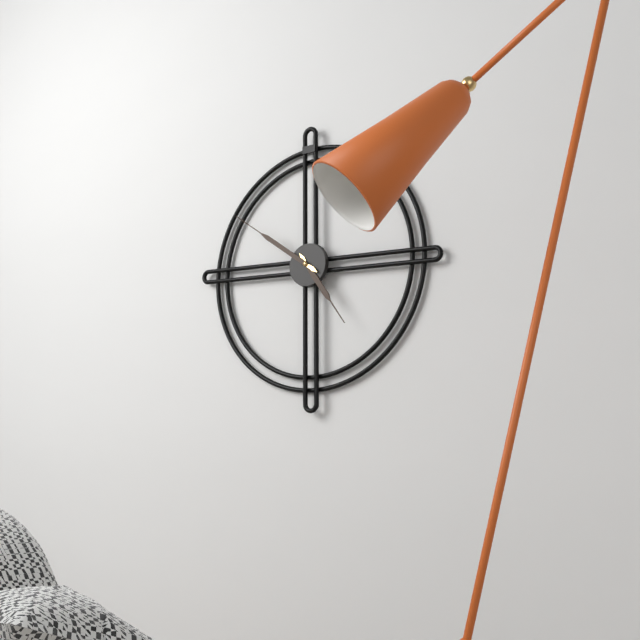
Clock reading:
4.51
